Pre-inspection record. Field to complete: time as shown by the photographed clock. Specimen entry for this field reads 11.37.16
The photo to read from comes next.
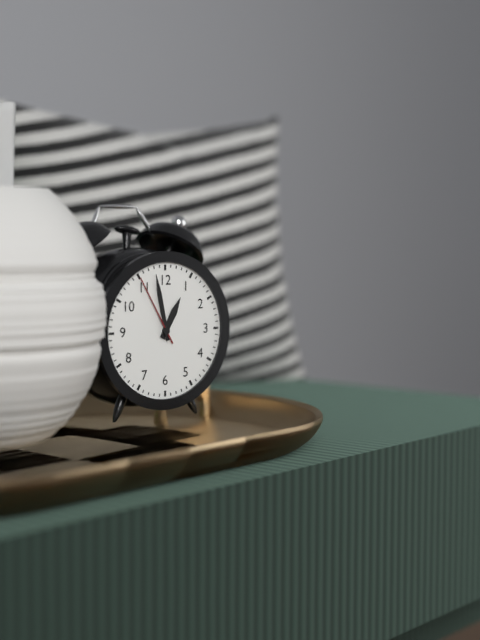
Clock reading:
12.58.55
